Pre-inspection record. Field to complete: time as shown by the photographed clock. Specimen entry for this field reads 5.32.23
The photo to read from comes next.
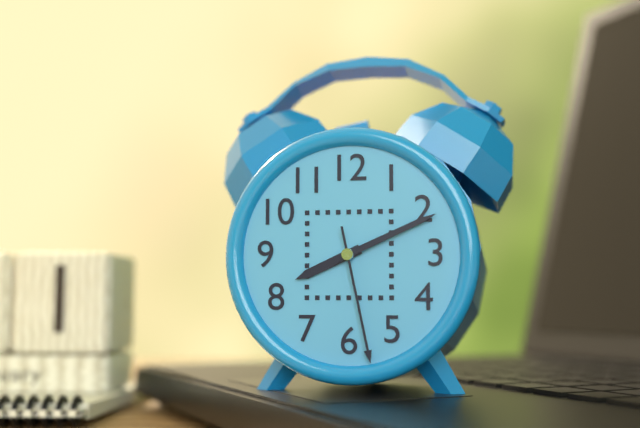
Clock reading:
8.11.28
